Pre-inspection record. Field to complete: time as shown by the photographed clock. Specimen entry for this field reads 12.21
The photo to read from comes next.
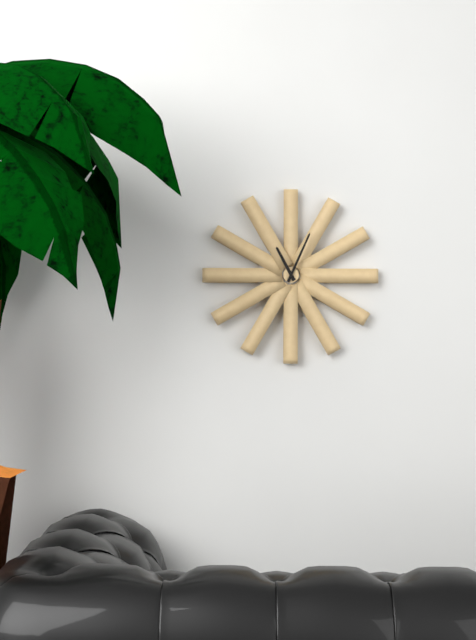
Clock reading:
11.04
